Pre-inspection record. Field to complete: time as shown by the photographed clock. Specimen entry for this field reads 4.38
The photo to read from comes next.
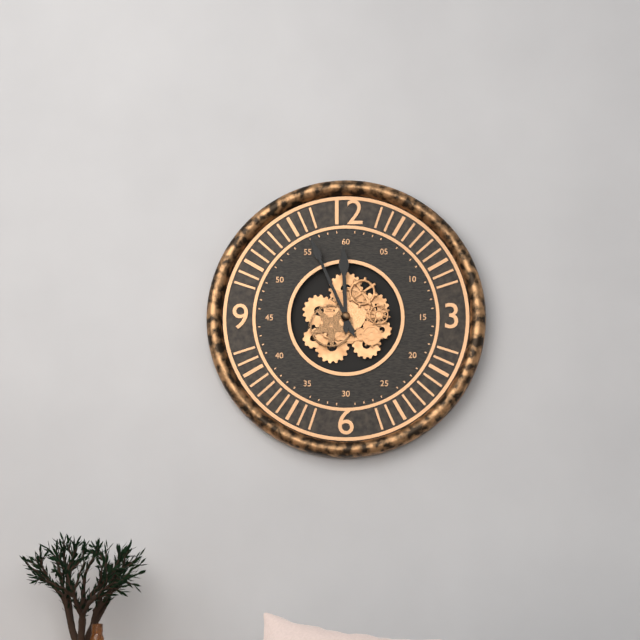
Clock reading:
11.56
